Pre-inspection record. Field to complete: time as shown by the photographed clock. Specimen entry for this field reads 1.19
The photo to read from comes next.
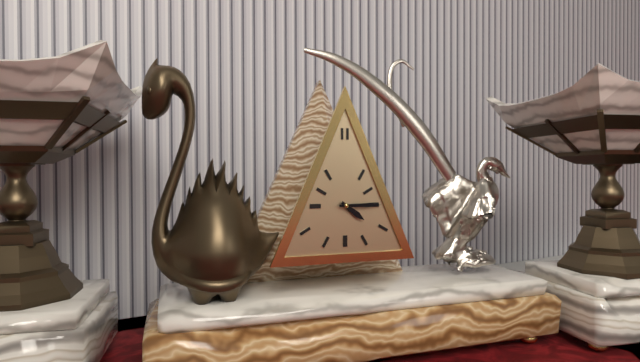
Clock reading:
4.15
